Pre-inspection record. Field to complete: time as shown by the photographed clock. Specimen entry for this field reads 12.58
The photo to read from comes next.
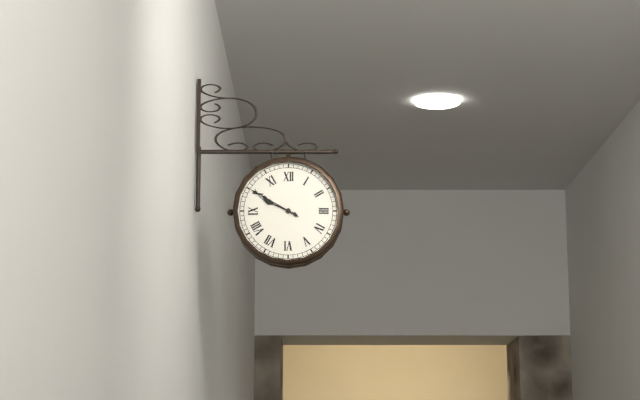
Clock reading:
9.50
